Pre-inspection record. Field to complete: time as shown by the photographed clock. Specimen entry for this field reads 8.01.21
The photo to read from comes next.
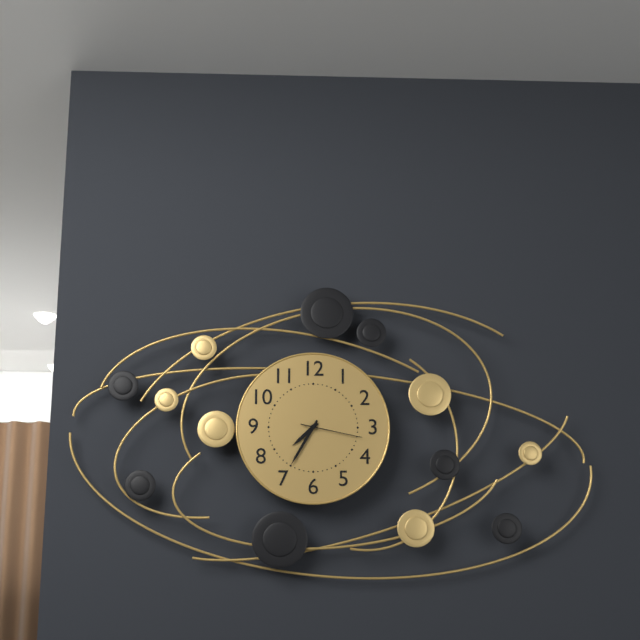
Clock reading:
7.35.17
